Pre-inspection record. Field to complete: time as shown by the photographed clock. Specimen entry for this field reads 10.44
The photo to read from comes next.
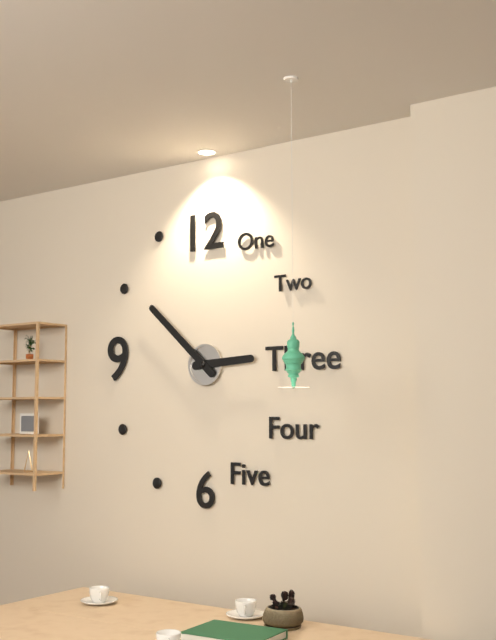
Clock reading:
2.52
